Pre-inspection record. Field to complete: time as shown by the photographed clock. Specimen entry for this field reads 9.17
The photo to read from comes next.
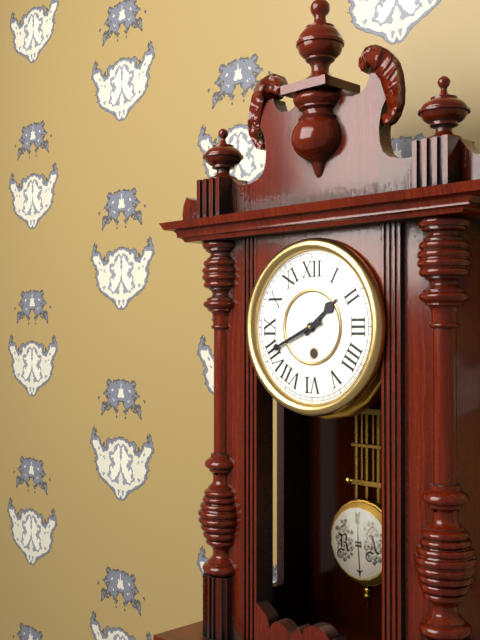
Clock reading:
1.41
